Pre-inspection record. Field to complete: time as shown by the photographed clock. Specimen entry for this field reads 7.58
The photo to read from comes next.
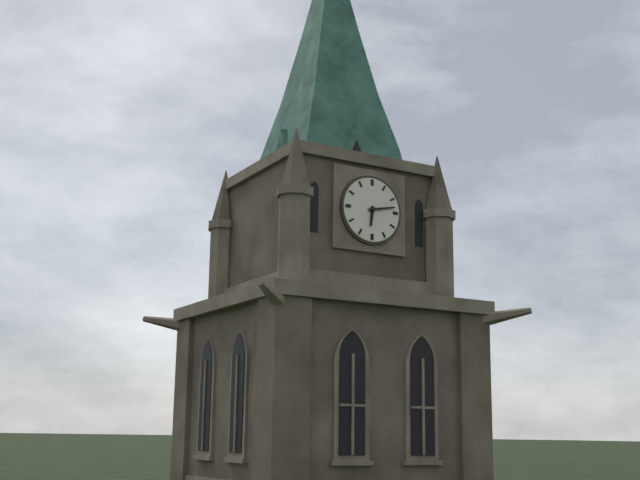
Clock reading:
6.13
